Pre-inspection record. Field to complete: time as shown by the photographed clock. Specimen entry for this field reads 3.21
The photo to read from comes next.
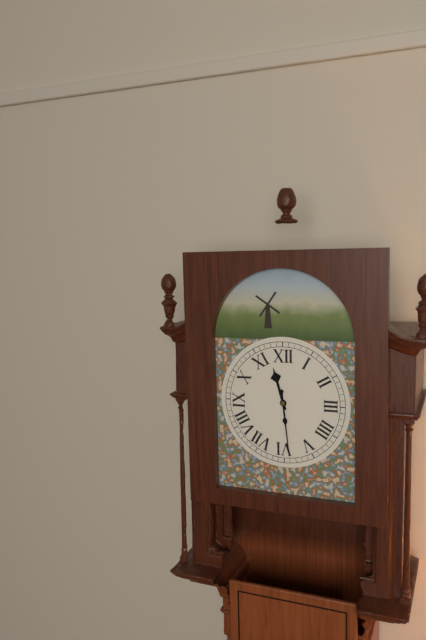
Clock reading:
11.29
